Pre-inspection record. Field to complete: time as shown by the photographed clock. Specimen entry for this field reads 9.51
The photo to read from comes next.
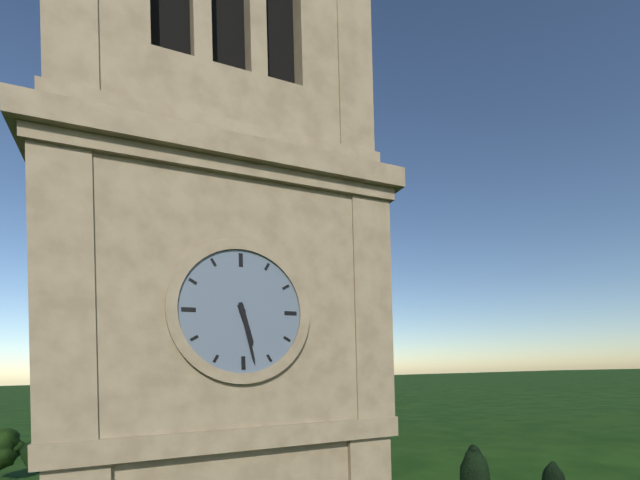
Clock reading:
5.28
